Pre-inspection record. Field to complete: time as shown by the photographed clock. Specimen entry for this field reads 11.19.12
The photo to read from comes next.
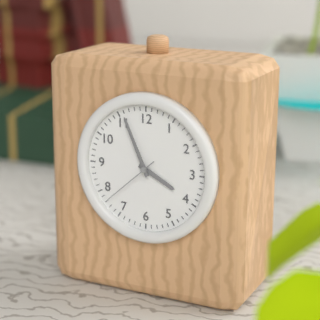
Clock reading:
3.56.38
